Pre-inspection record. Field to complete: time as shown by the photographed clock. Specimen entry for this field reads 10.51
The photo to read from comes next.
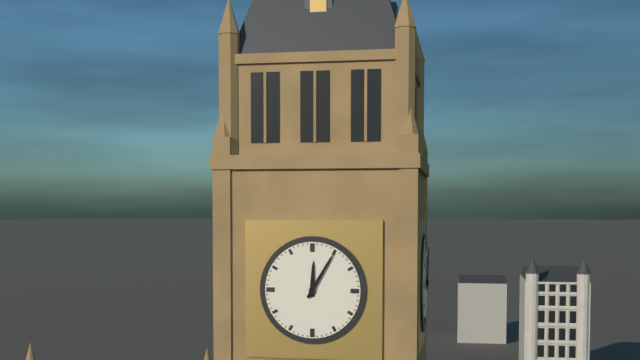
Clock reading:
12.05
